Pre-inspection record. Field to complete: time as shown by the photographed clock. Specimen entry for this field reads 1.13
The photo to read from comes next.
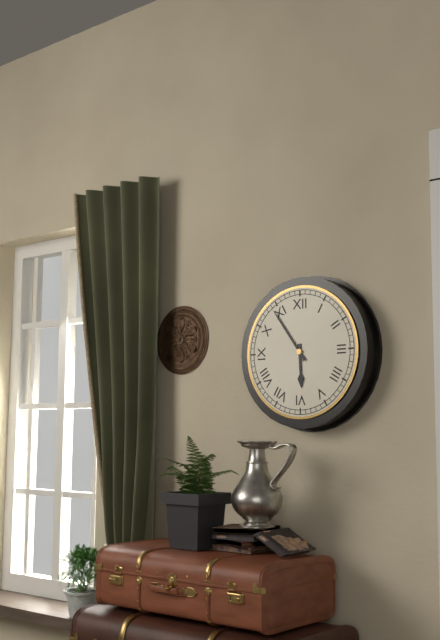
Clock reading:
5.54
